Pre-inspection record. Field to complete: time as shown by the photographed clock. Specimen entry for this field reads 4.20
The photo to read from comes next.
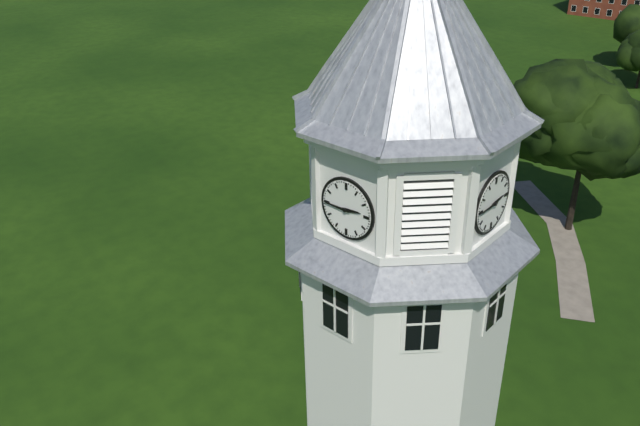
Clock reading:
2.45
